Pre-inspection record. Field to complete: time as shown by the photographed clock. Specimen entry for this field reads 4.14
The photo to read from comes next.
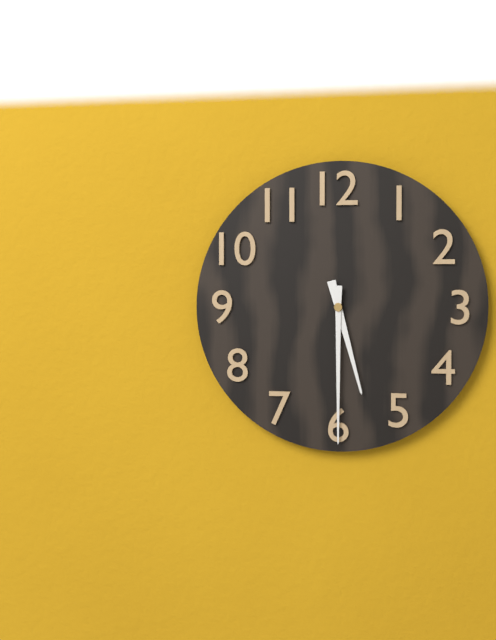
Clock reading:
5.30
